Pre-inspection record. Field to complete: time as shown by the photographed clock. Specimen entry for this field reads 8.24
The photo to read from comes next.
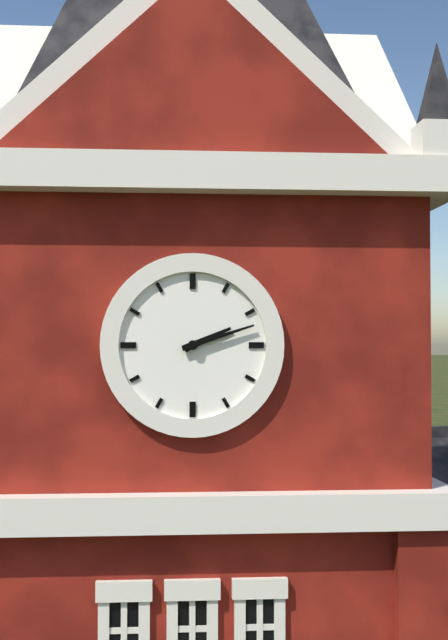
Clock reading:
2.12
